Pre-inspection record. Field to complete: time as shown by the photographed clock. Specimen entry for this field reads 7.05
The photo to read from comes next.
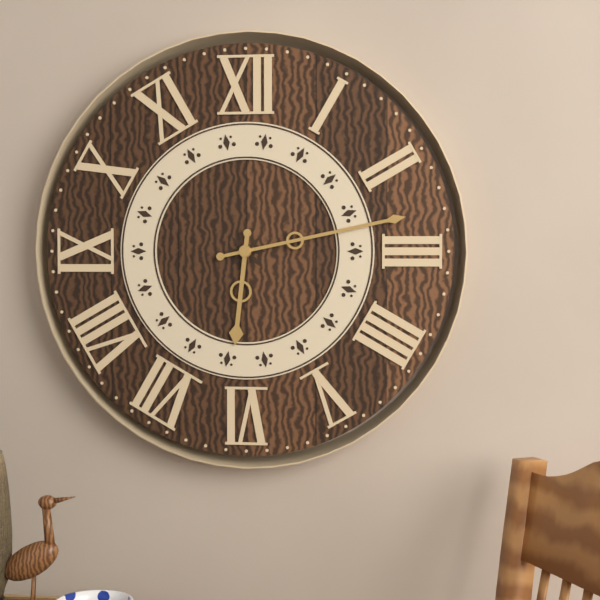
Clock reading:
6.13
